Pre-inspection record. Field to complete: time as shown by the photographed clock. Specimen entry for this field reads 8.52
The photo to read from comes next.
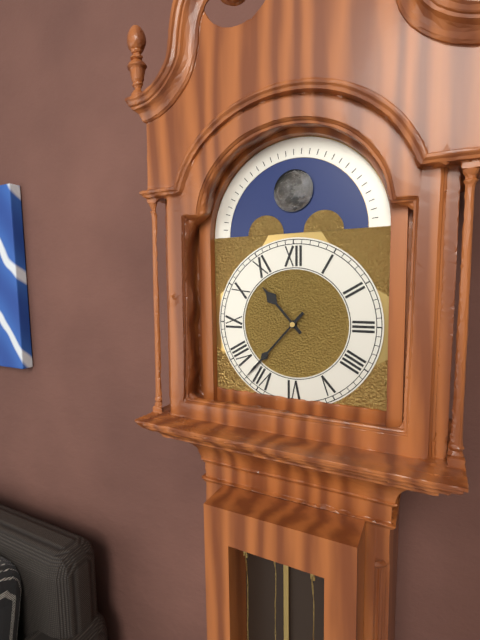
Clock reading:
10.37
